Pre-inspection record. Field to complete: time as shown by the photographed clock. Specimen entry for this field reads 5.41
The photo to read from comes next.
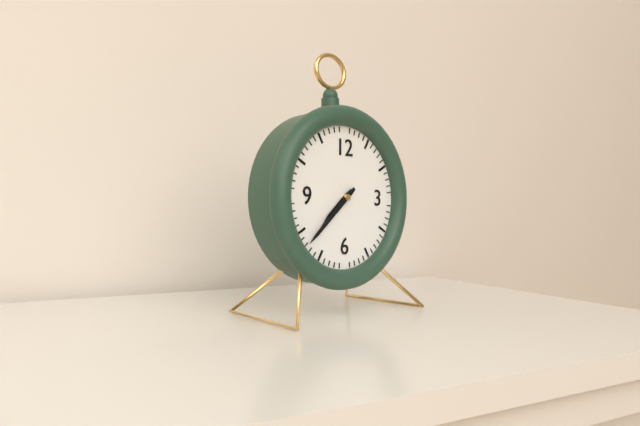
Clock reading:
7.38
